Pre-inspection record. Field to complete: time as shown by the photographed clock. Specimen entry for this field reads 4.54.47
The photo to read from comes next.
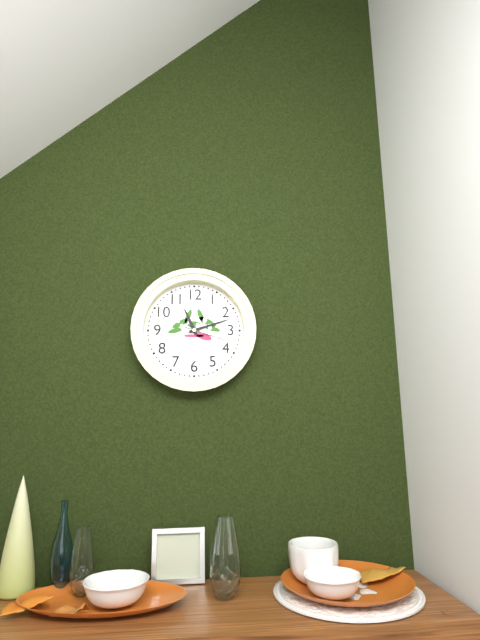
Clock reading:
11.12.18
